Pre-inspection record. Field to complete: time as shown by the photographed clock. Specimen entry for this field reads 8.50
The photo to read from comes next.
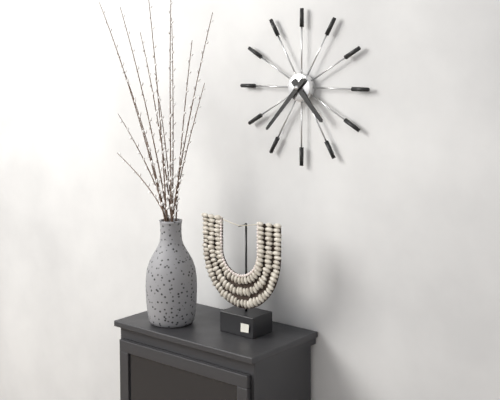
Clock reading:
4.37
